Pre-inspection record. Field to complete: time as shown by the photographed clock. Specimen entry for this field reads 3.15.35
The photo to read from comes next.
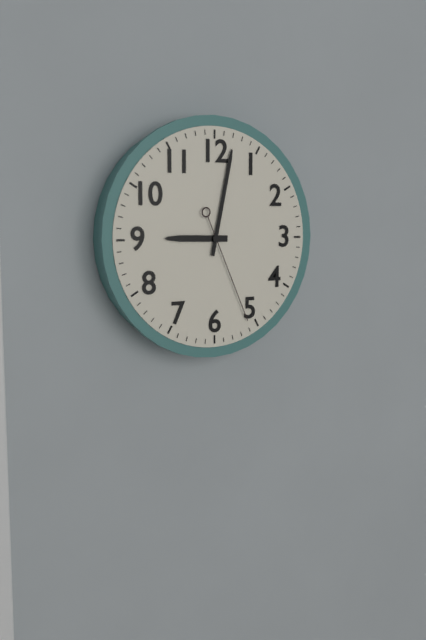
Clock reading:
9.02.26
